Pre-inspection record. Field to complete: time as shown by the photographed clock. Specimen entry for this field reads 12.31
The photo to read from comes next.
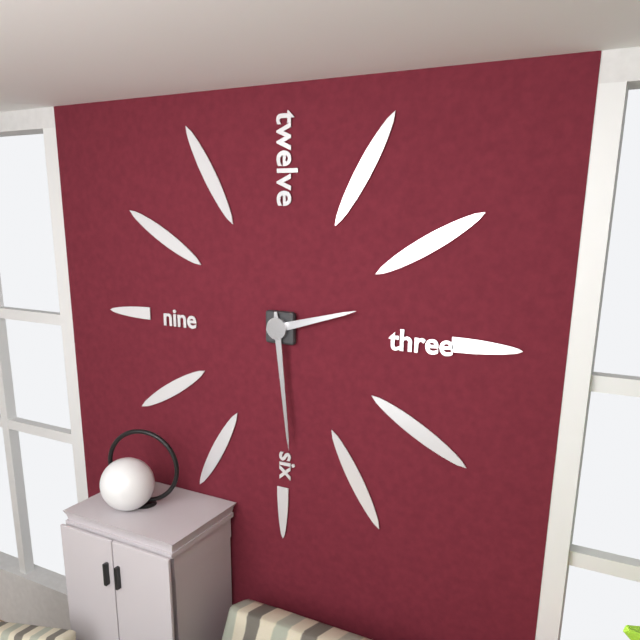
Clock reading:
2.29
